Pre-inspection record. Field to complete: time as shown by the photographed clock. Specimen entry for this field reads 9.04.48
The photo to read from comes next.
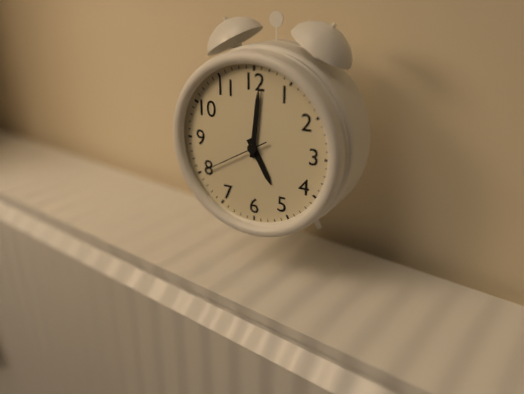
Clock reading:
5.01.40
